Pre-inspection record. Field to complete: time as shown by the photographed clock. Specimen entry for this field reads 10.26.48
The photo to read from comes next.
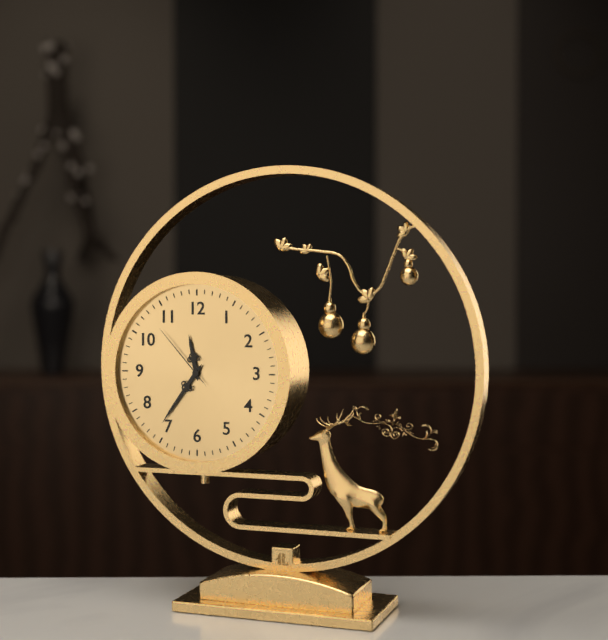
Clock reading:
11.36.53
